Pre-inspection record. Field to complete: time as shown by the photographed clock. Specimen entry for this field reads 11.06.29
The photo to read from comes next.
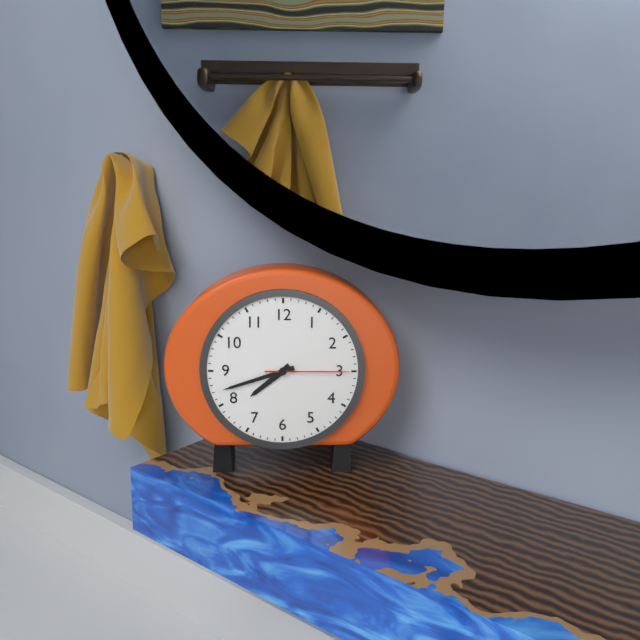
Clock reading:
7.42.15
